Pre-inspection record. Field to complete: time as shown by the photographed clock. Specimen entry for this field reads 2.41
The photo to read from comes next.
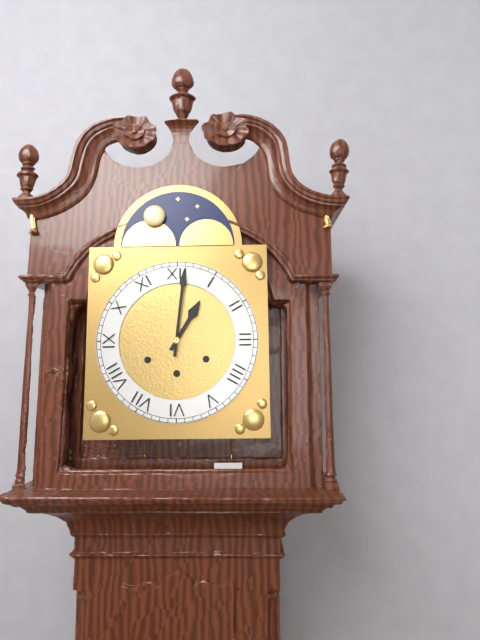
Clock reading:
1.01
